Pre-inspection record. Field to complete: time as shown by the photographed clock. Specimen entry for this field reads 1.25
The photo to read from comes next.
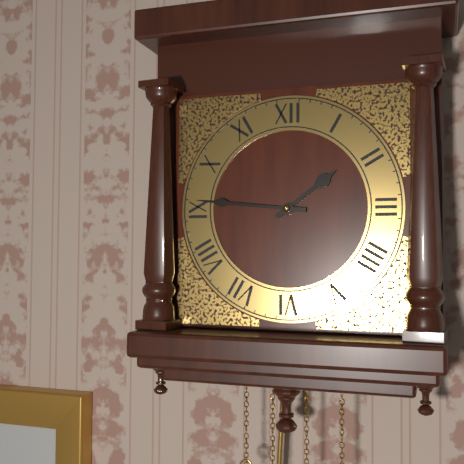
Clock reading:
1.46
